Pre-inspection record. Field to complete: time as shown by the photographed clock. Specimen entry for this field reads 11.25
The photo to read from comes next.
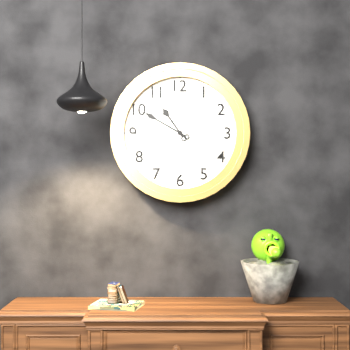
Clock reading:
10.50
